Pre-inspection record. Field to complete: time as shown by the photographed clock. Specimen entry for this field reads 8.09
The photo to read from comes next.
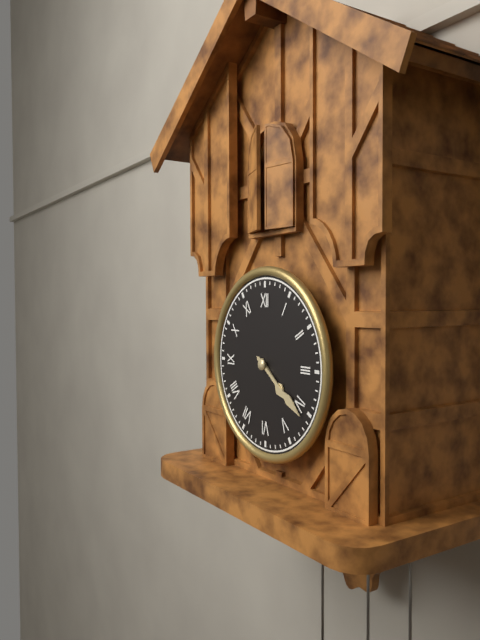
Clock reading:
4.21
